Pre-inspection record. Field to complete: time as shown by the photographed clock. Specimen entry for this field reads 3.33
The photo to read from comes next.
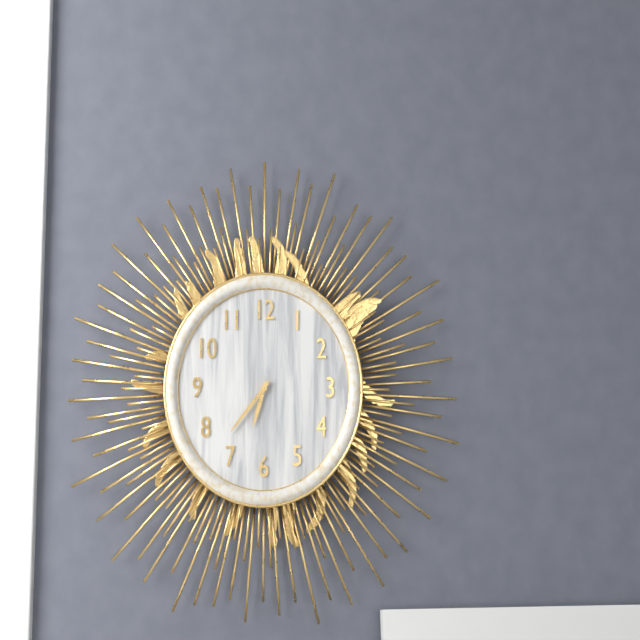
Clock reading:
6.37
